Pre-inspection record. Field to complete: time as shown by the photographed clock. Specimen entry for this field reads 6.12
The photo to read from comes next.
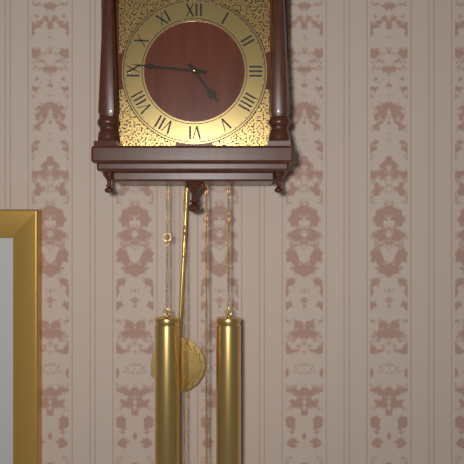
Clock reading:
4.46
